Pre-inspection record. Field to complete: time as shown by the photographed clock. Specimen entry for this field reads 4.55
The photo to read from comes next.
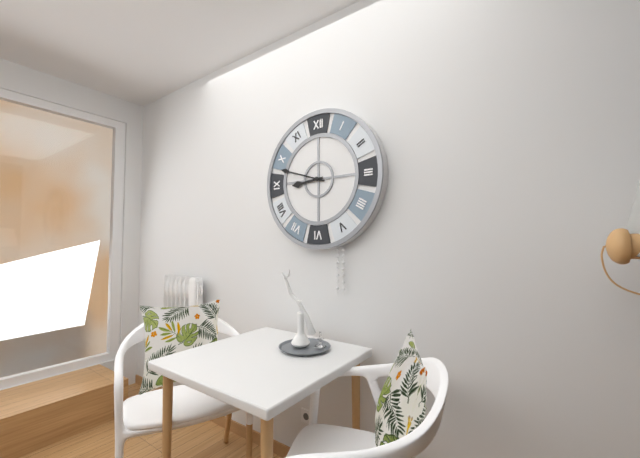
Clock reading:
8.48
